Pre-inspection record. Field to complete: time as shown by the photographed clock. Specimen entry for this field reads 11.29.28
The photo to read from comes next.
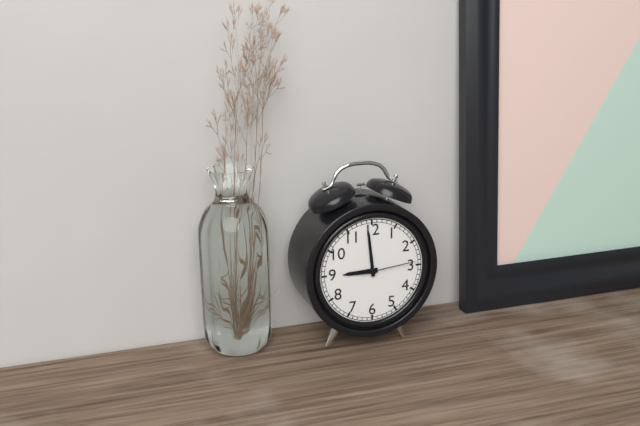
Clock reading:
8.59.14
